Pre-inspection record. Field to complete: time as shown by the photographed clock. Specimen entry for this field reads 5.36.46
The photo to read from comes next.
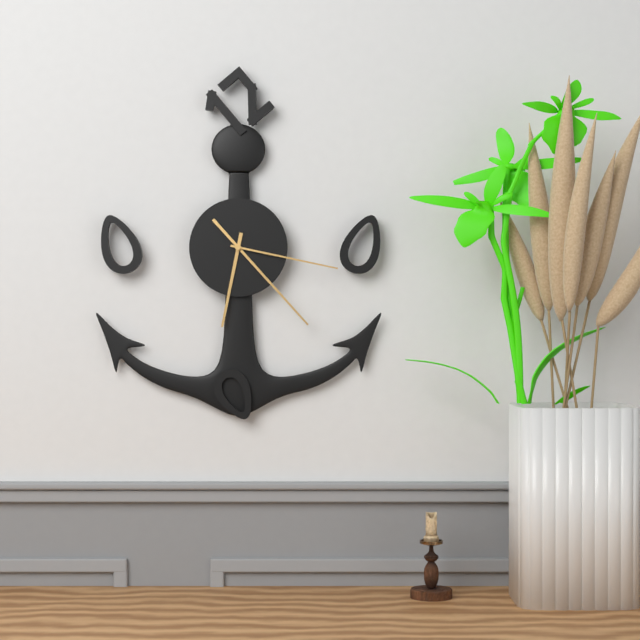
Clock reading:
6.23.17
